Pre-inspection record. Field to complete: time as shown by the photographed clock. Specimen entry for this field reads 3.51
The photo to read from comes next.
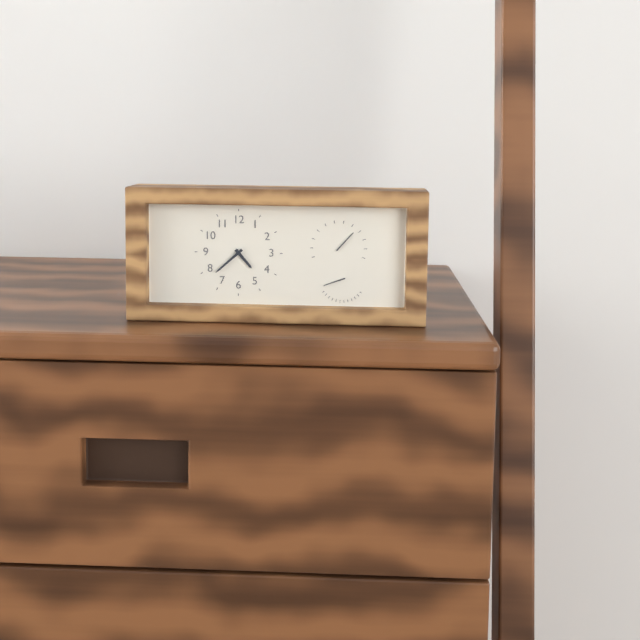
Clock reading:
4.38
